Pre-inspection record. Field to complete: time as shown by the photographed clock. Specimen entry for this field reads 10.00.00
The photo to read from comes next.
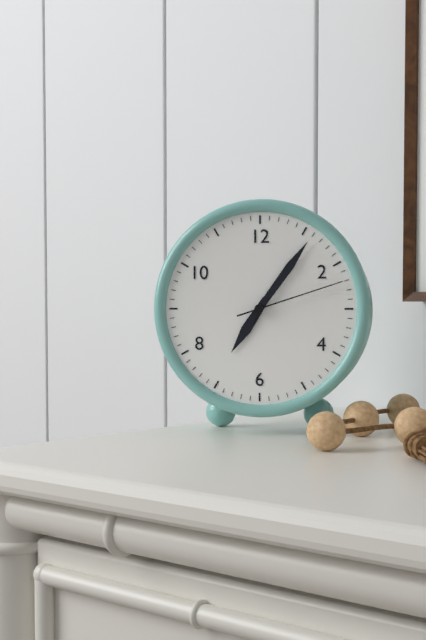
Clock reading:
7.06.12
